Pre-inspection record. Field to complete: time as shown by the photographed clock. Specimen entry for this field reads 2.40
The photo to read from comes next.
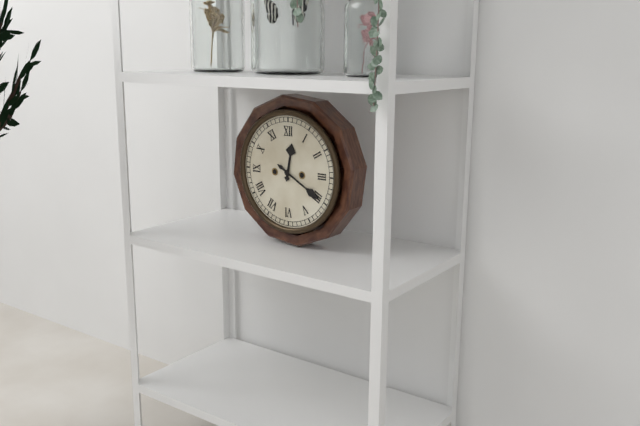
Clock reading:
12.20
